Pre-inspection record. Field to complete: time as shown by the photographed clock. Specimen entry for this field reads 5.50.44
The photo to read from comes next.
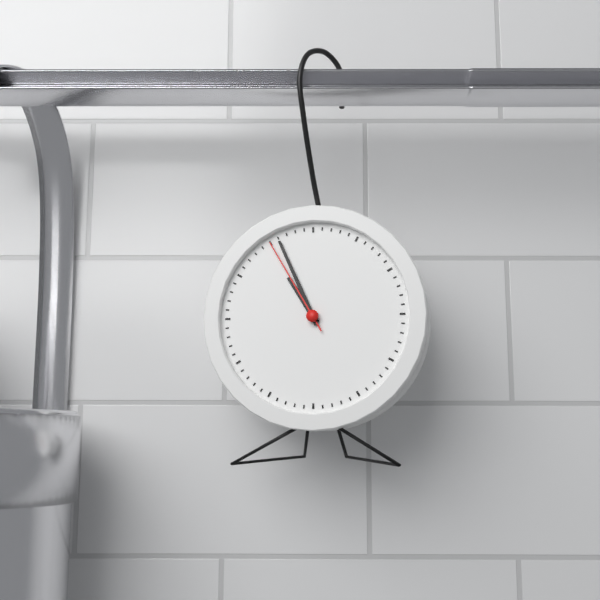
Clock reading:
10.56.55
